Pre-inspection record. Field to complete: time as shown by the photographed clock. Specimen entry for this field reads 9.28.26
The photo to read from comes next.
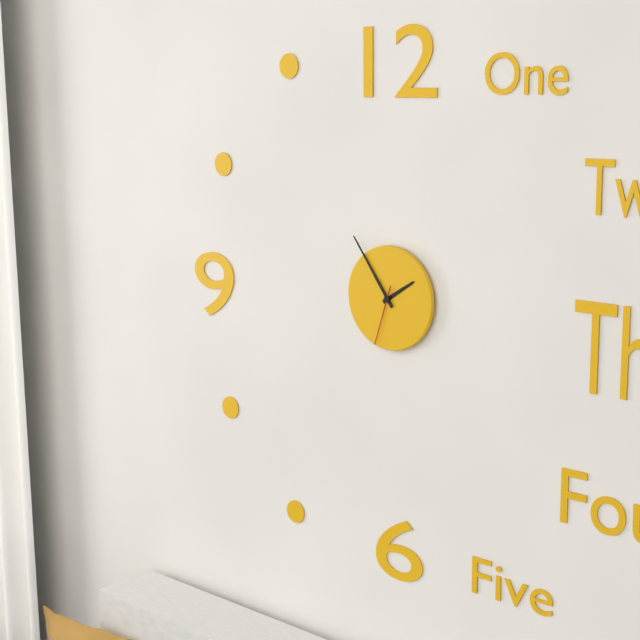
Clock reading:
1.54.33
